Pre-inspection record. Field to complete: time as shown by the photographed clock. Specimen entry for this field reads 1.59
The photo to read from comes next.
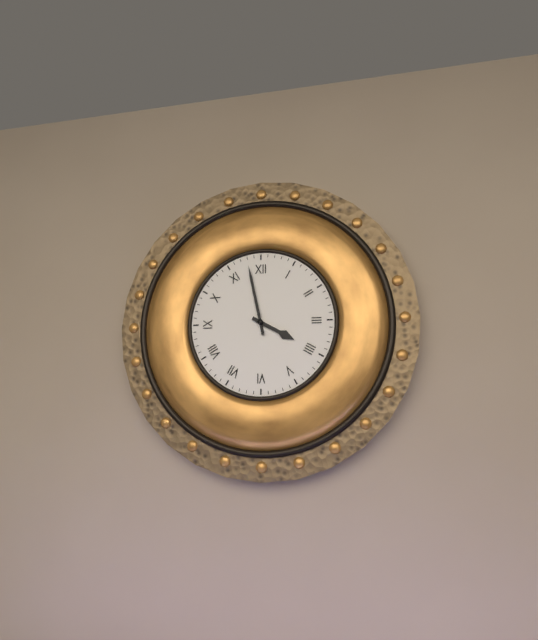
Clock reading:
3.58
